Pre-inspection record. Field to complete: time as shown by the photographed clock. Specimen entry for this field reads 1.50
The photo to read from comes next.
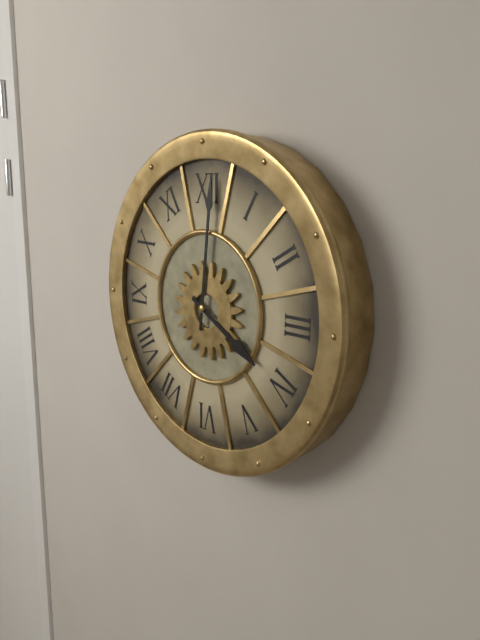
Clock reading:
4.01
